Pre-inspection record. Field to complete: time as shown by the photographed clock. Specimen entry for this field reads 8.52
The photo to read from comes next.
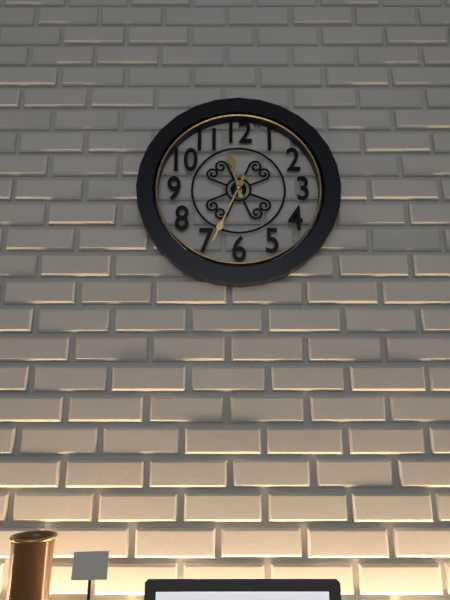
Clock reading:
11.34
